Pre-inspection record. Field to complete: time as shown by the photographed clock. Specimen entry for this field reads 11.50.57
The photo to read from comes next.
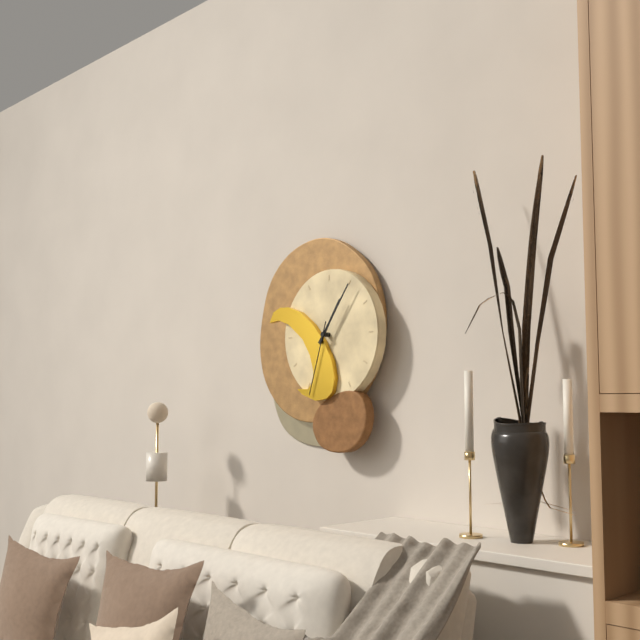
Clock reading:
1.06.33
